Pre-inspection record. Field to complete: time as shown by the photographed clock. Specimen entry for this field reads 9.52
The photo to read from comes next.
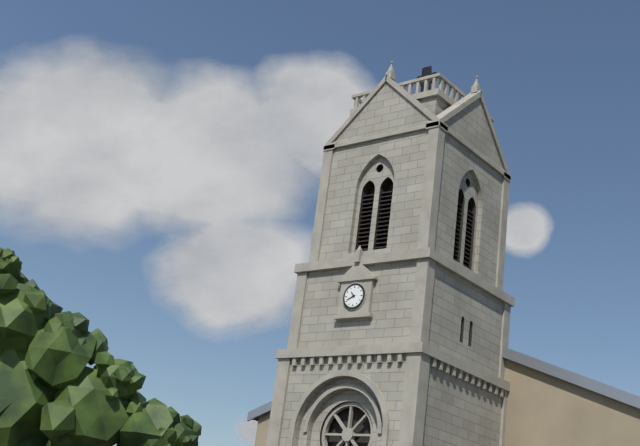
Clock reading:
10.41
